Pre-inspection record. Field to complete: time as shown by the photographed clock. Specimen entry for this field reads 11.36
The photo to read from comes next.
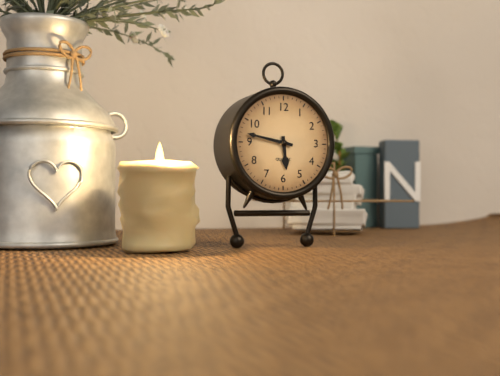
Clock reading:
5.47
